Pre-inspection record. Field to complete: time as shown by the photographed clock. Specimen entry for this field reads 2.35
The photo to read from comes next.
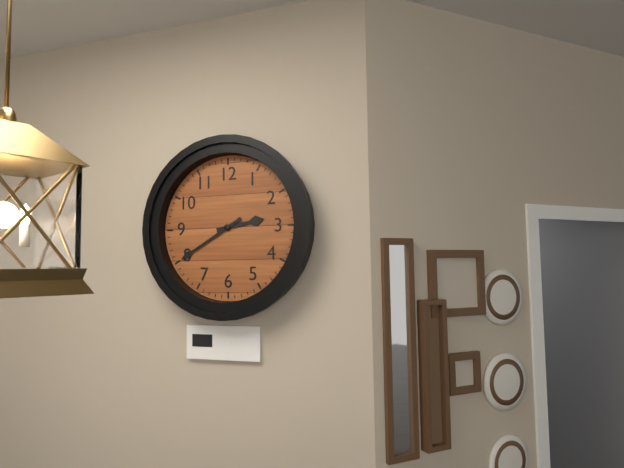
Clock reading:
2.40
